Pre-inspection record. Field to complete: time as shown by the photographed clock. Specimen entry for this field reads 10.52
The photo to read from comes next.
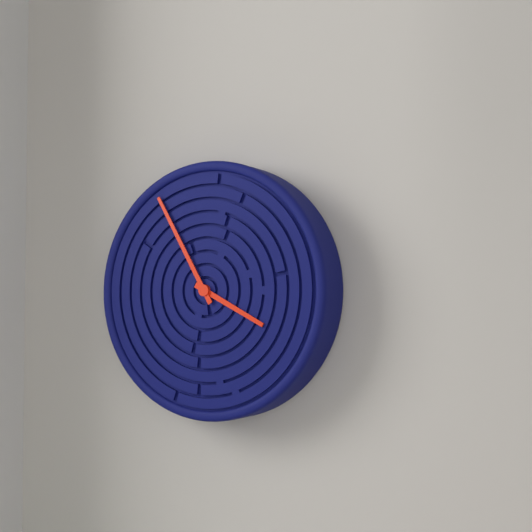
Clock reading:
3.55
